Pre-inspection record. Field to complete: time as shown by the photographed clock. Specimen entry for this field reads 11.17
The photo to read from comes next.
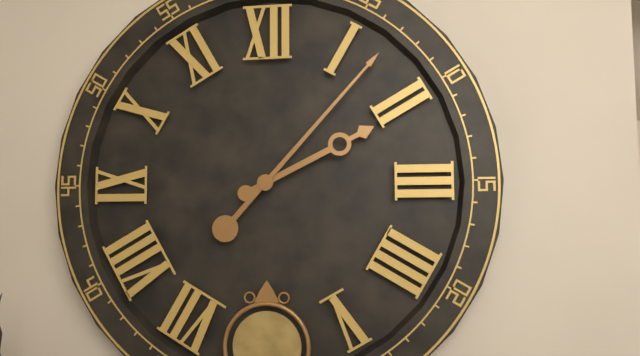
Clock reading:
2.07
